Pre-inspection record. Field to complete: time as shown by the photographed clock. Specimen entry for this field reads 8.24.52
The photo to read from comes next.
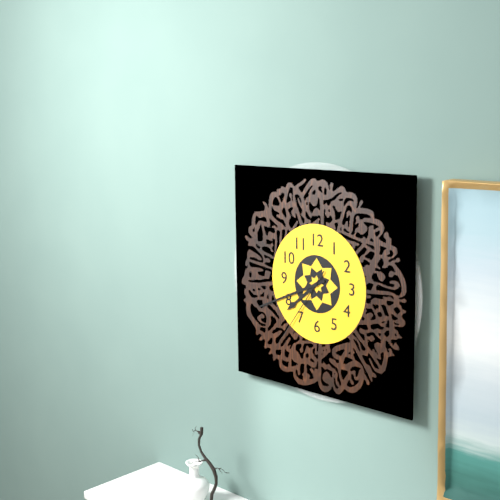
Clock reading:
7.41.36
